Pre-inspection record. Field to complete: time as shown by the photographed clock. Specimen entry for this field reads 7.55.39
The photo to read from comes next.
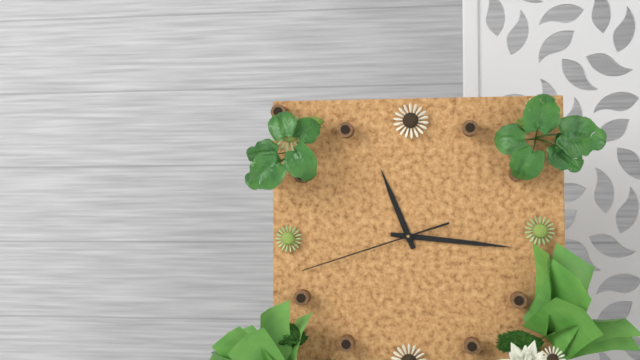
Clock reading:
11.16.42
